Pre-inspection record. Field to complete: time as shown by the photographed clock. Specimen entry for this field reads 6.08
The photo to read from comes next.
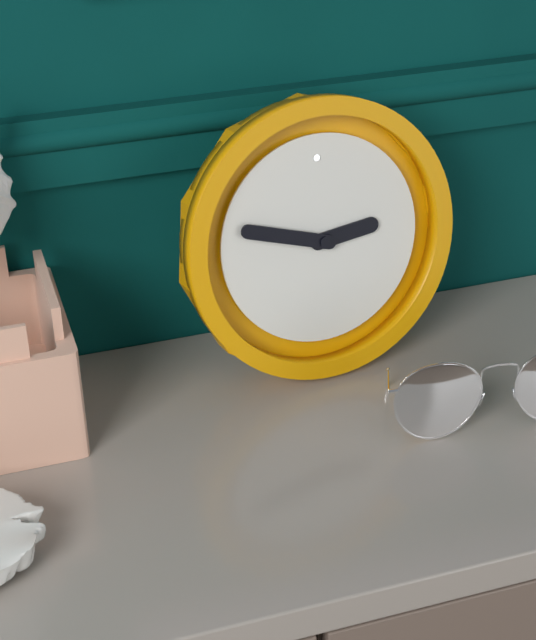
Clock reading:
2.48
